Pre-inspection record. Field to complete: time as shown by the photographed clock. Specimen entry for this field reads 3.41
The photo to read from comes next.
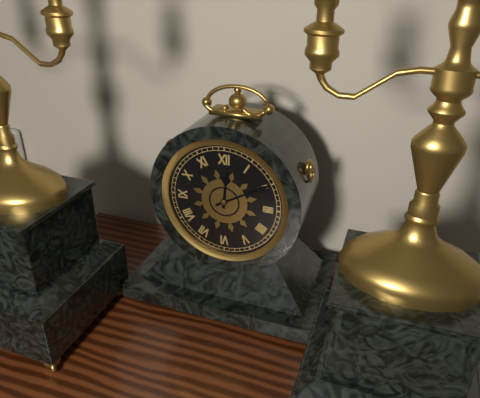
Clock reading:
12.10
